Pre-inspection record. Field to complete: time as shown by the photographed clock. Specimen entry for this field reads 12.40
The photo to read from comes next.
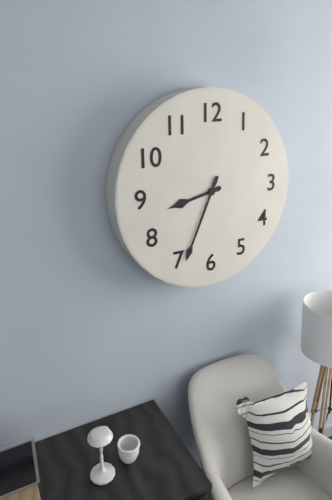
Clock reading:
8.34
